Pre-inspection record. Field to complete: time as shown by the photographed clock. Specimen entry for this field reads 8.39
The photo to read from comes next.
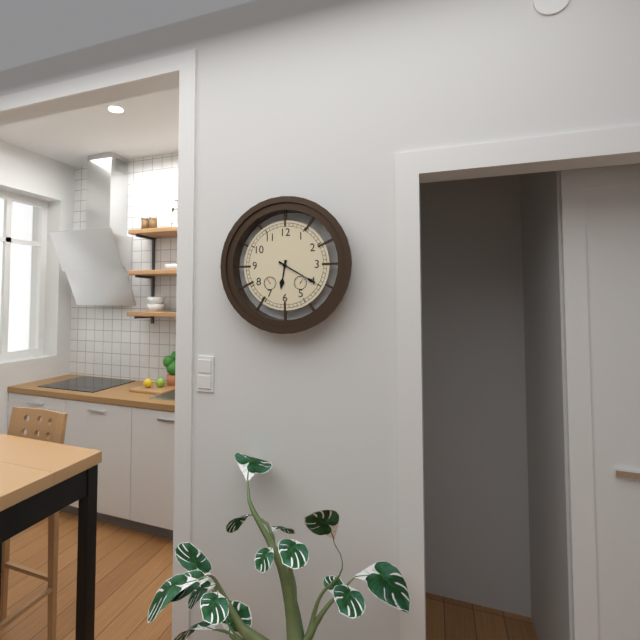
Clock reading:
6.20
